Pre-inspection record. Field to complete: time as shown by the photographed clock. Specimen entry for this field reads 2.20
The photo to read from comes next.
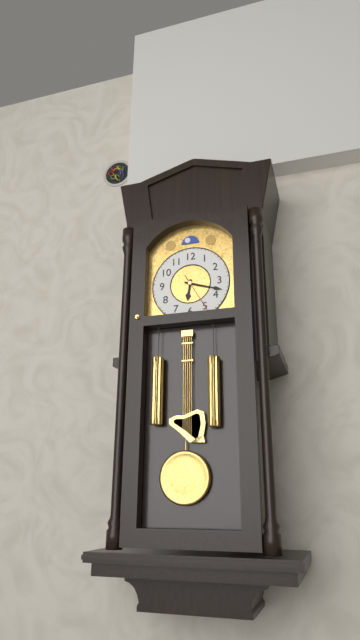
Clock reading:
6.18
